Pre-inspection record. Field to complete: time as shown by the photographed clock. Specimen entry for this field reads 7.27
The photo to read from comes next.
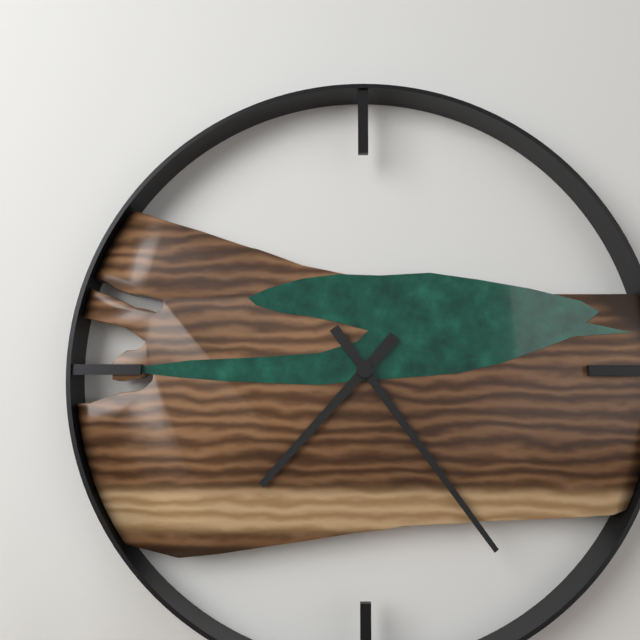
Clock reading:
7.24
